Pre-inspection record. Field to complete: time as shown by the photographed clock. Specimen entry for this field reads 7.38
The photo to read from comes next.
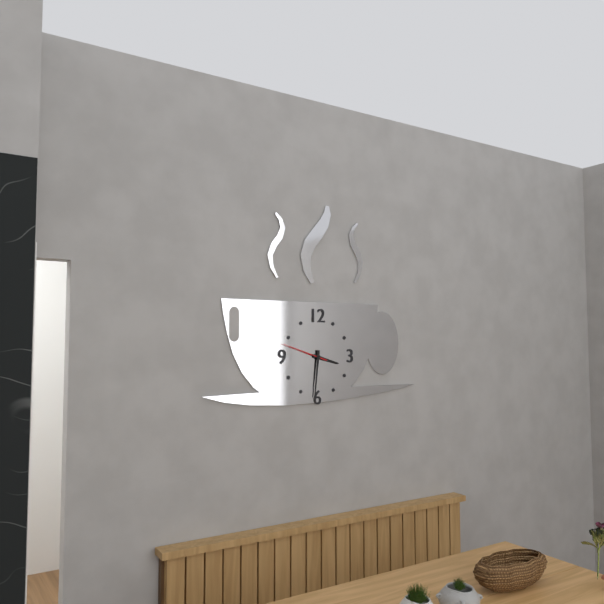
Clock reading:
3.31
